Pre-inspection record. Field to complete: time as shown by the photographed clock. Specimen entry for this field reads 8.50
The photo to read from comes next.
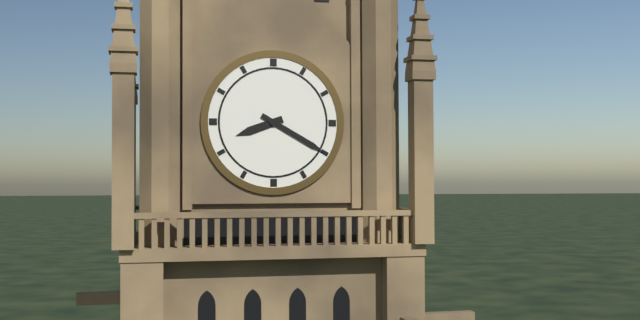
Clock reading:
8.20
